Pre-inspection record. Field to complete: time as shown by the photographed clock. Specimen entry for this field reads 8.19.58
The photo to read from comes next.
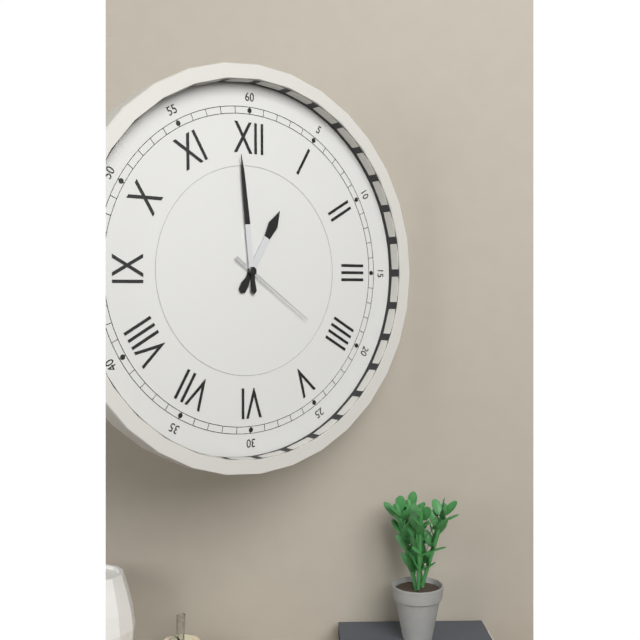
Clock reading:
12.59.21
